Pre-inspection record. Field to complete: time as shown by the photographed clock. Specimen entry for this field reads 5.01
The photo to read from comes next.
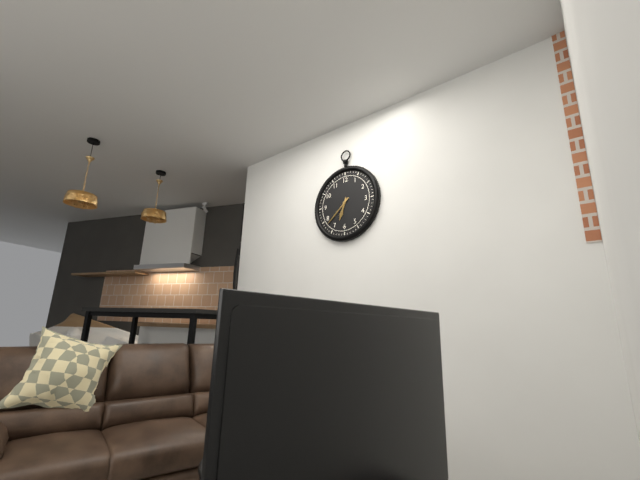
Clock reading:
6.38
